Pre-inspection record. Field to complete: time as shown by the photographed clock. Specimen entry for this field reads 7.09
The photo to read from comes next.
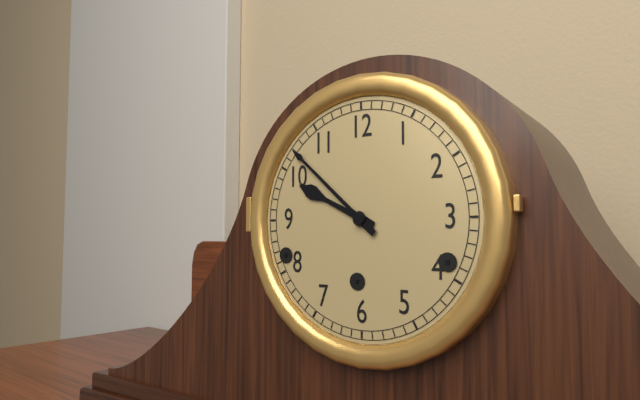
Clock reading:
9.52
